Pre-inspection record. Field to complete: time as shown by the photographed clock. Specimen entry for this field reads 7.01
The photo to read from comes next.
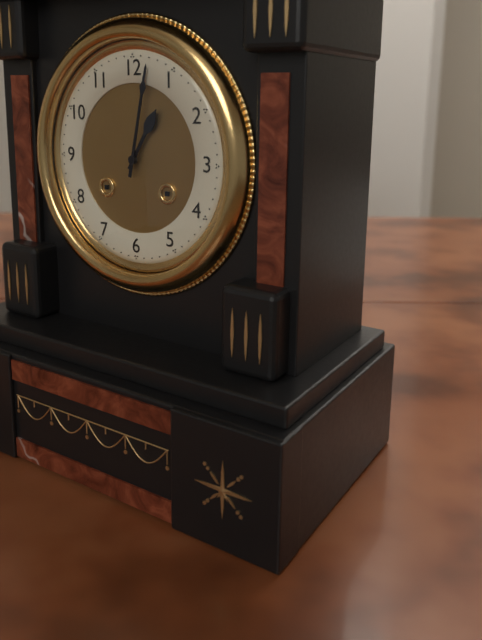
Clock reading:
1.02
